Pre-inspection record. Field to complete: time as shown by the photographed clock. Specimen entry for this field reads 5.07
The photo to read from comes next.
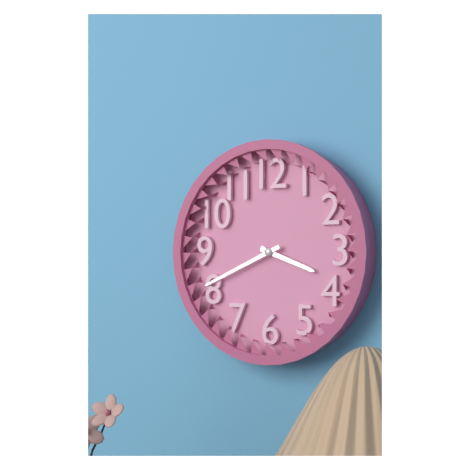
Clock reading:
3.41
